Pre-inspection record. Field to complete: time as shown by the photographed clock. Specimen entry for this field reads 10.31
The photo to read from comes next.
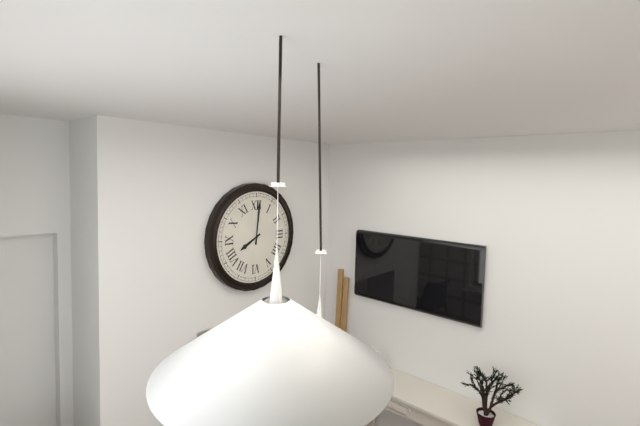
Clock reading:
8.01
